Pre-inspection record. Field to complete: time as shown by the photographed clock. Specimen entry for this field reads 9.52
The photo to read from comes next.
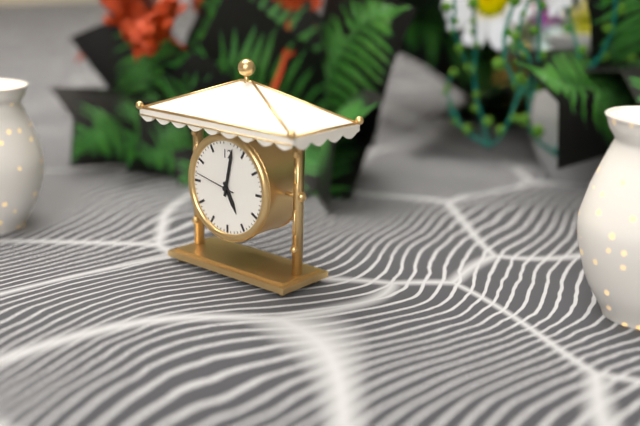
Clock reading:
5.02
